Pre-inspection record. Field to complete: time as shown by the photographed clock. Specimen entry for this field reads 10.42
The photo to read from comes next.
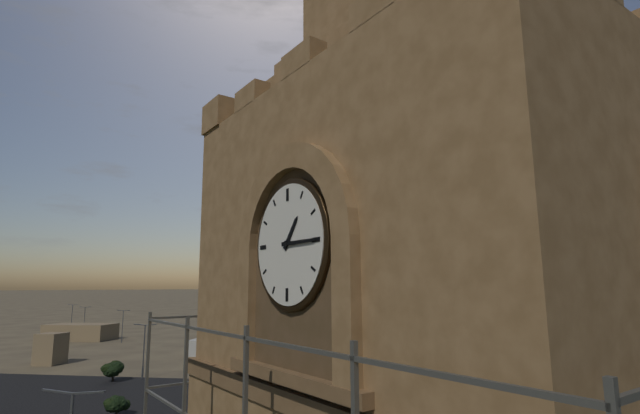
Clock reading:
1.15
